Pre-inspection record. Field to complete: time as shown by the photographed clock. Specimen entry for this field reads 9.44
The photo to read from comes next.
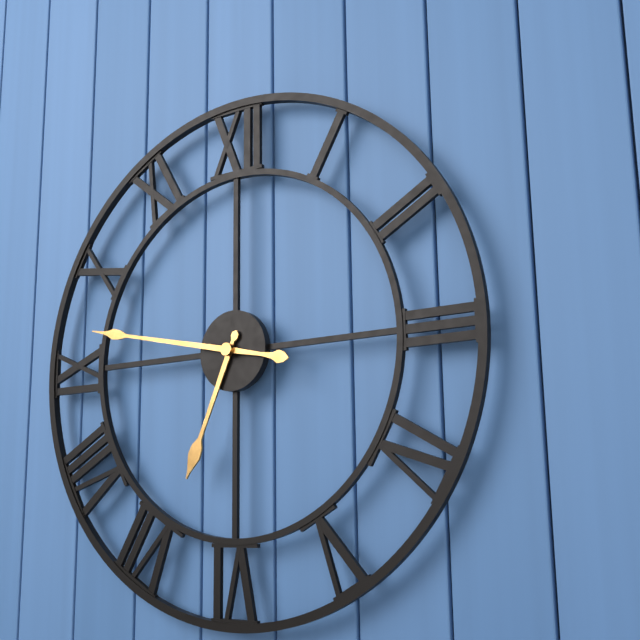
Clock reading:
6.47
